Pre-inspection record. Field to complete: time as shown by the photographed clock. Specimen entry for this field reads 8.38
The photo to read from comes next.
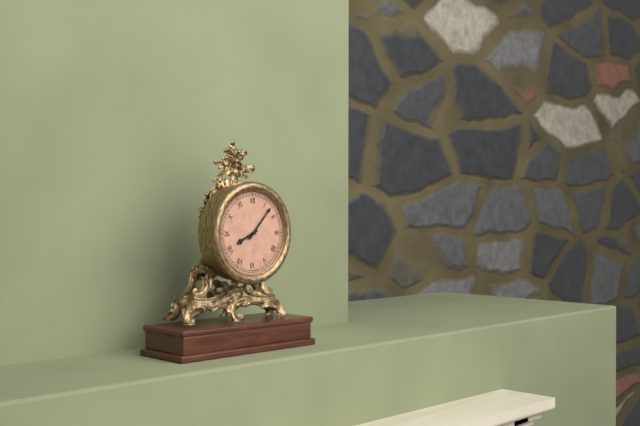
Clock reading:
8.07
